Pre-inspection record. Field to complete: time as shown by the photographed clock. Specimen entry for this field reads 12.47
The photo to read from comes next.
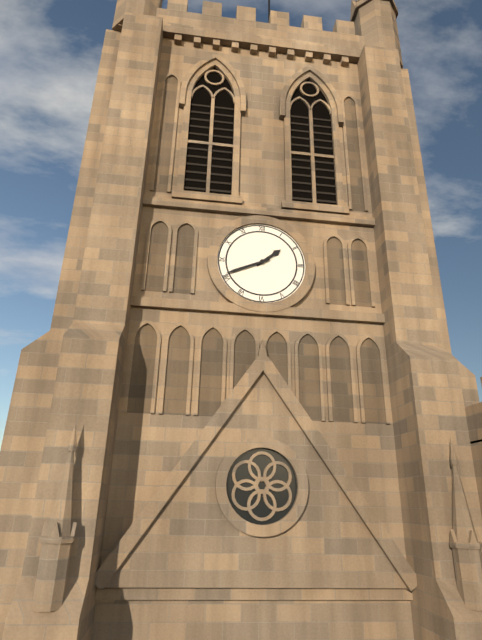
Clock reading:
1.41
